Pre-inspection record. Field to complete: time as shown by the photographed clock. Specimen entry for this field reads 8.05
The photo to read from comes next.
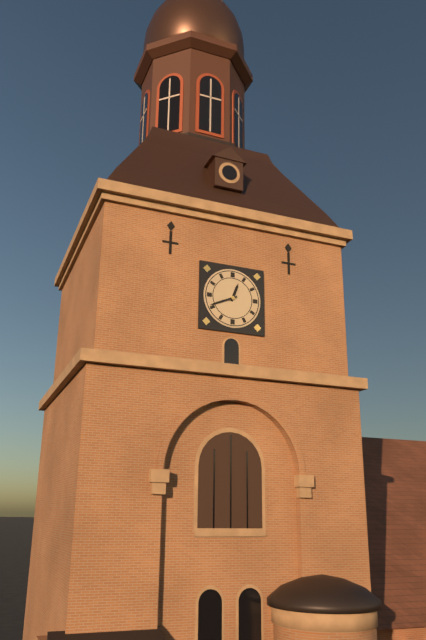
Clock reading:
12.41
